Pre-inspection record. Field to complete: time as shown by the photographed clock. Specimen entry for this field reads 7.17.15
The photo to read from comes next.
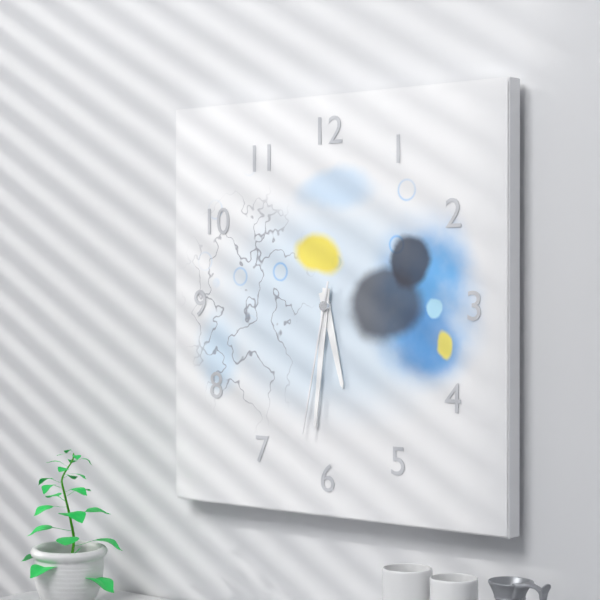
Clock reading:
5.31.32
